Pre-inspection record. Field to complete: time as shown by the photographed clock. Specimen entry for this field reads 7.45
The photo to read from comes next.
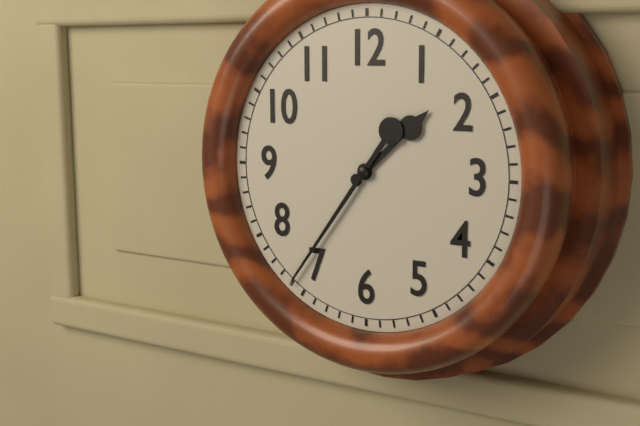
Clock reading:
1.36
